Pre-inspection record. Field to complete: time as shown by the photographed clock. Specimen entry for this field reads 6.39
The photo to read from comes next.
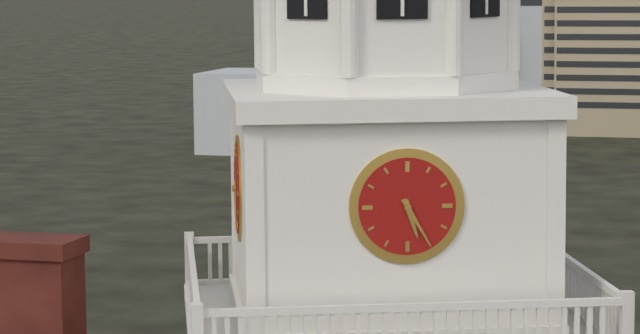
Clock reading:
5.25
